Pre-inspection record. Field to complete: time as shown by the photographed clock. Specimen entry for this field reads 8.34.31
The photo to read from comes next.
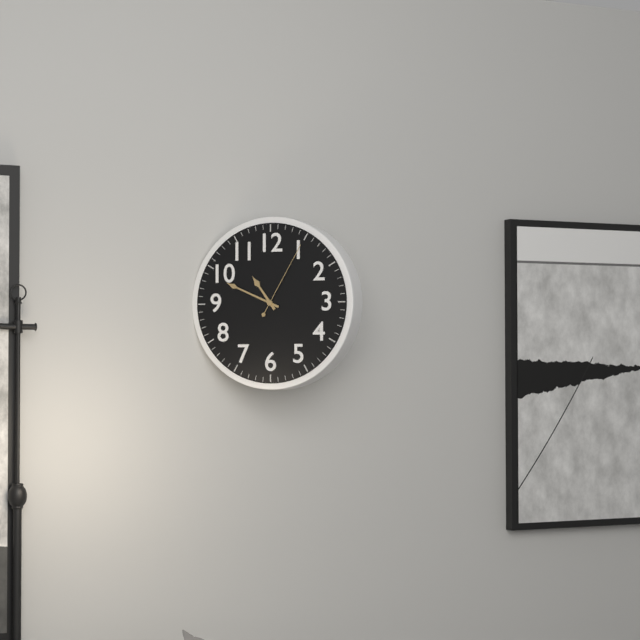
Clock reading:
10.49.05
